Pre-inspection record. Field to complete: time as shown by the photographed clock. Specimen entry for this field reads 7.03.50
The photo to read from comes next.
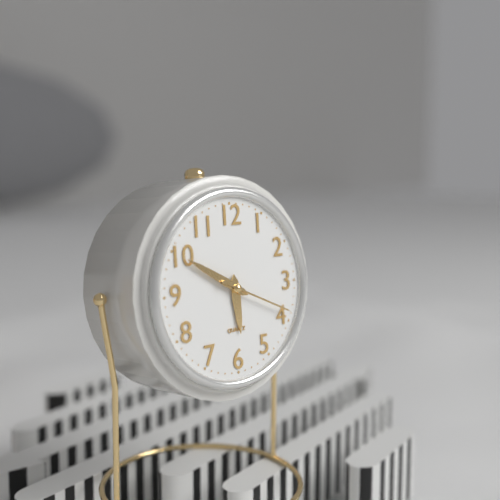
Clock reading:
5.50.19
